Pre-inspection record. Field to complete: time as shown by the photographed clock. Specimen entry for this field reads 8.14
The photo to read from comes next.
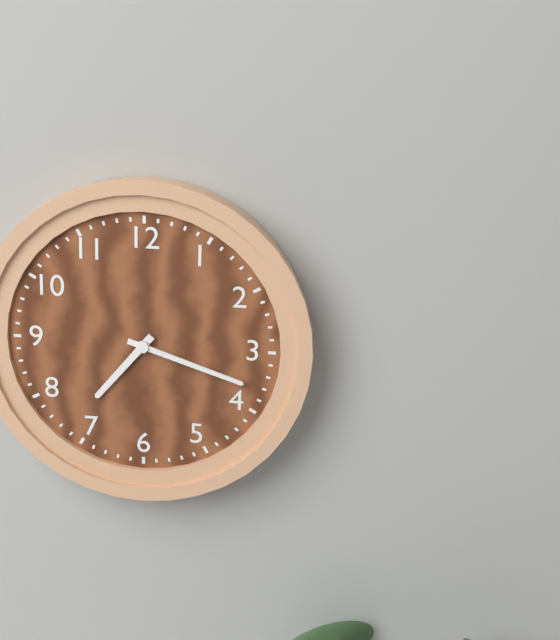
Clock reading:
7.18
